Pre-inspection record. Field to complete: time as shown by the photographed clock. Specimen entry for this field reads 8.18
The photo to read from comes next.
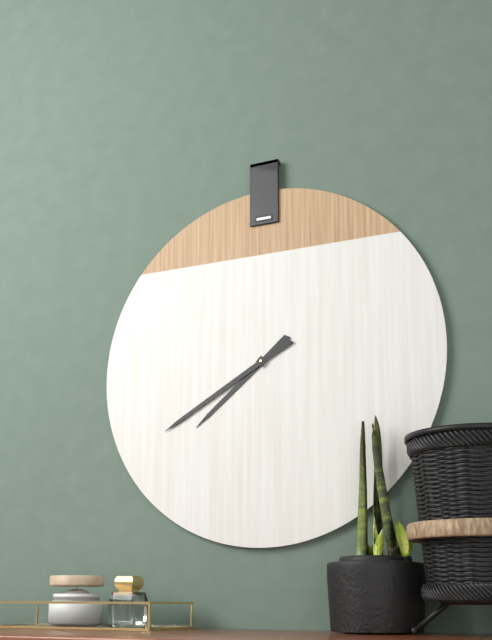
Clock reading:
7.40
